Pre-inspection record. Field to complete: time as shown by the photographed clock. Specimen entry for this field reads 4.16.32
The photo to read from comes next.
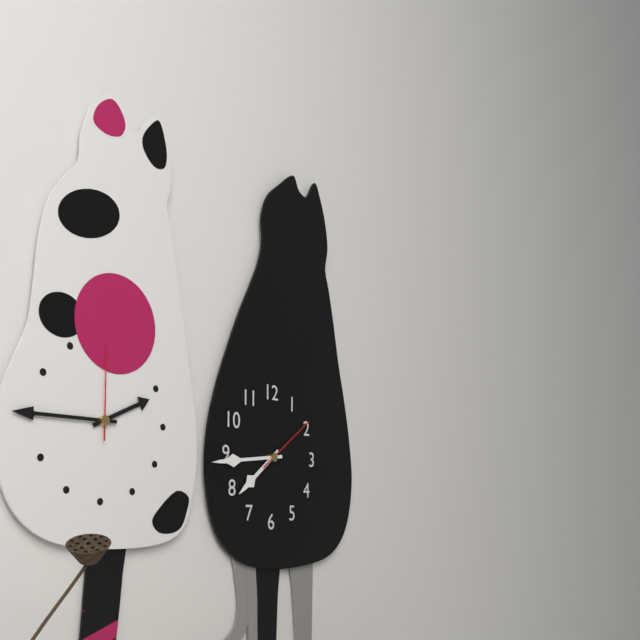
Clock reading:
7.44.09
